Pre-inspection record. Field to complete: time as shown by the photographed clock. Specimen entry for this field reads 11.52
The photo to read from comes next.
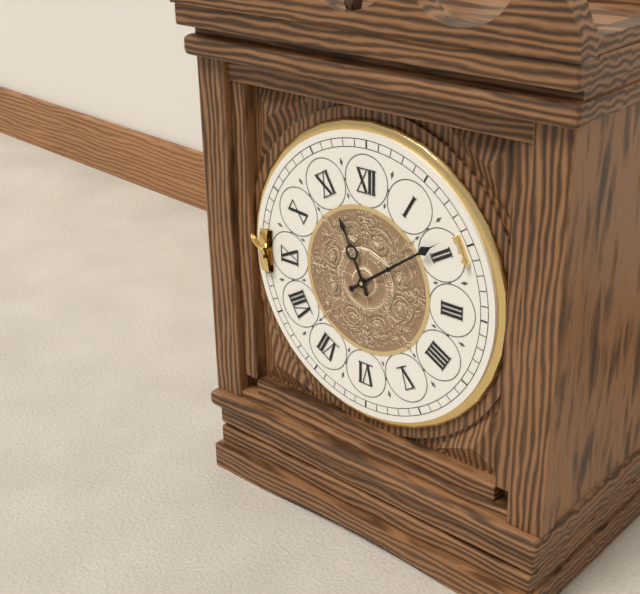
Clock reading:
11.09
